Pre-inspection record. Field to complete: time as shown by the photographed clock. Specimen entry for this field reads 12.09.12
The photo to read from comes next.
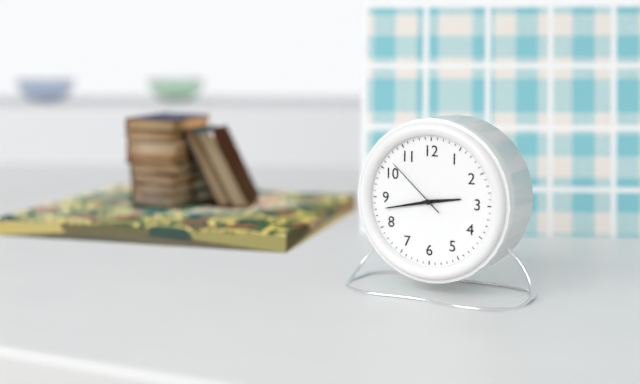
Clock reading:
2.43.52
